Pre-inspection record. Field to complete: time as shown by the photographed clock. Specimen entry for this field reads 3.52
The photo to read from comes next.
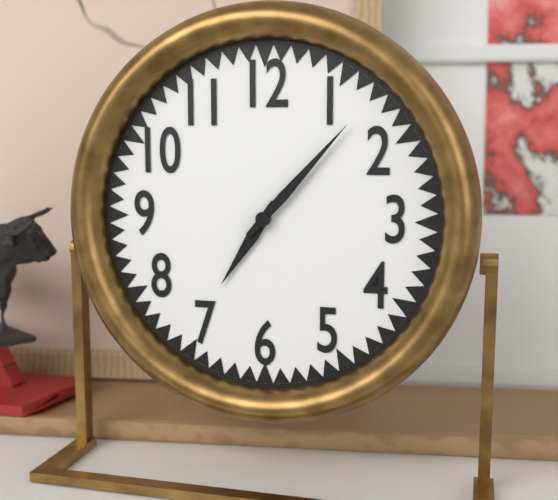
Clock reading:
7.07
